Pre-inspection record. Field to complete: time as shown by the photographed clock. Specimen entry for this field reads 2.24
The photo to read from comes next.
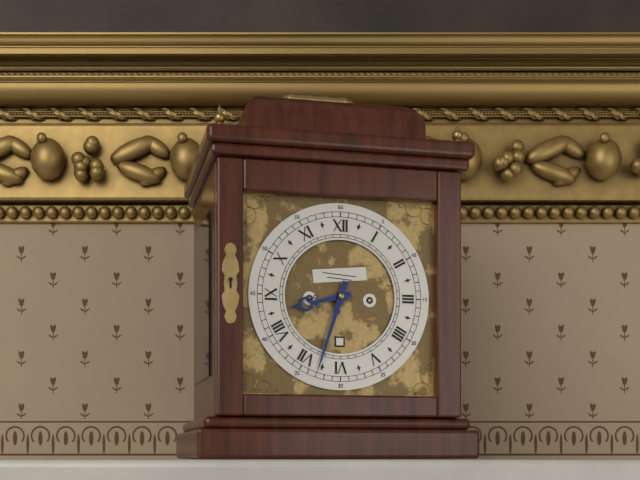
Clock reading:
8.33
